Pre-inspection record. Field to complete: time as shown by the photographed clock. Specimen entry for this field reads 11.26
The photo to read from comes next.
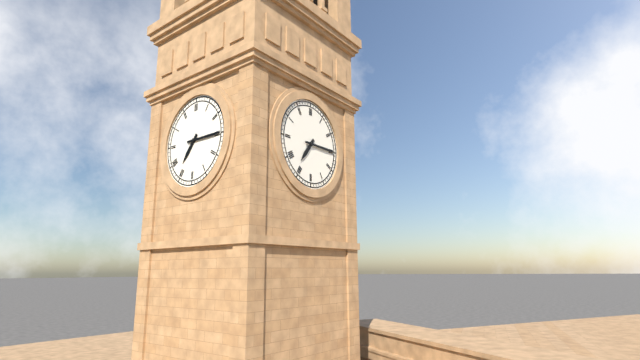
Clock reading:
7.15
